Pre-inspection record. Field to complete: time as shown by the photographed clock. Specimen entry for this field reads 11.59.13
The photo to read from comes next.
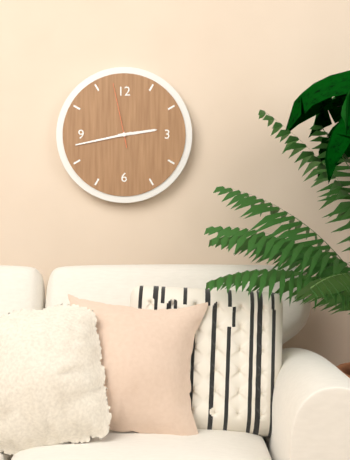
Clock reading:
2.43.58
